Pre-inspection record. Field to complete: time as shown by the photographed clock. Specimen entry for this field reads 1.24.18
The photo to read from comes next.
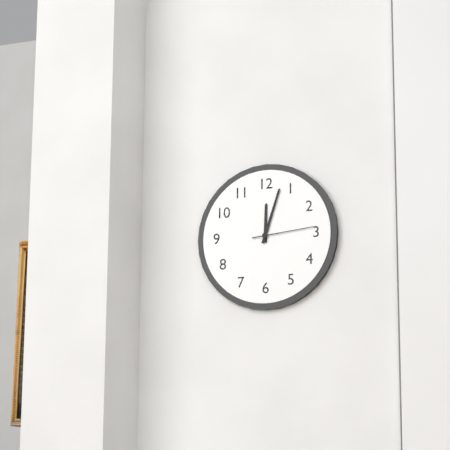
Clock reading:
12.03.14
